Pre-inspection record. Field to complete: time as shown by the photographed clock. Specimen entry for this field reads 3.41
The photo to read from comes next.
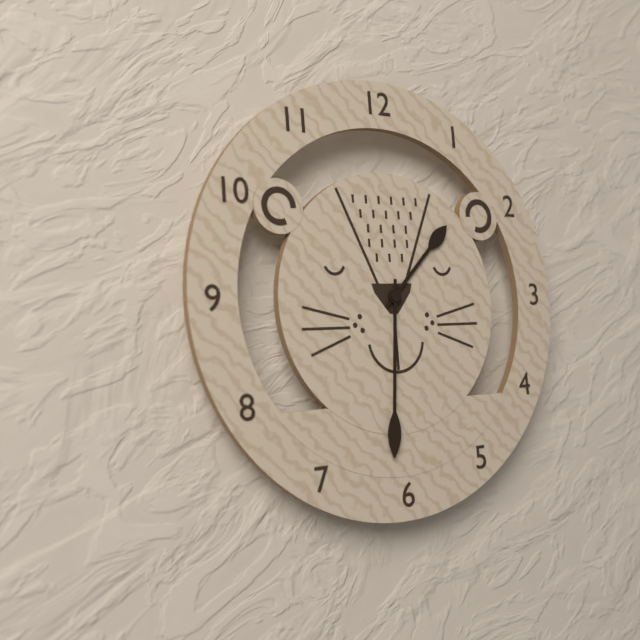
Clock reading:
1.31
